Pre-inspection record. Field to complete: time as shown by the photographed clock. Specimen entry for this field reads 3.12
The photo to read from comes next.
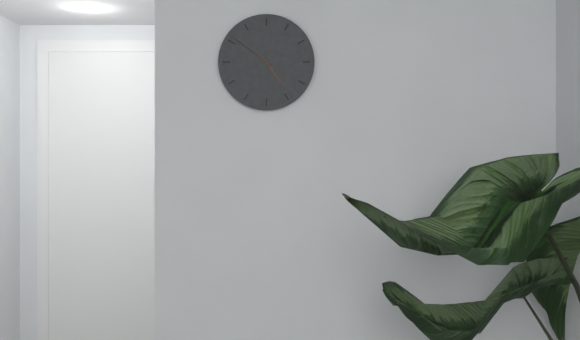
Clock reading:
4.51
